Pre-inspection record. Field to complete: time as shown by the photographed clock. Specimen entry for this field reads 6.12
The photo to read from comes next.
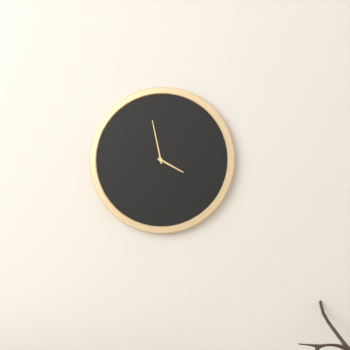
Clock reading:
3.58
